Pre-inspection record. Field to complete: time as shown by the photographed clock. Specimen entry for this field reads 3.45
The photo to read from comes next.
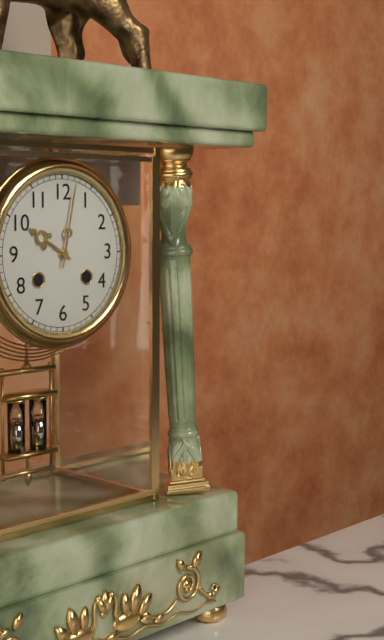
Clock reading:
10.02
